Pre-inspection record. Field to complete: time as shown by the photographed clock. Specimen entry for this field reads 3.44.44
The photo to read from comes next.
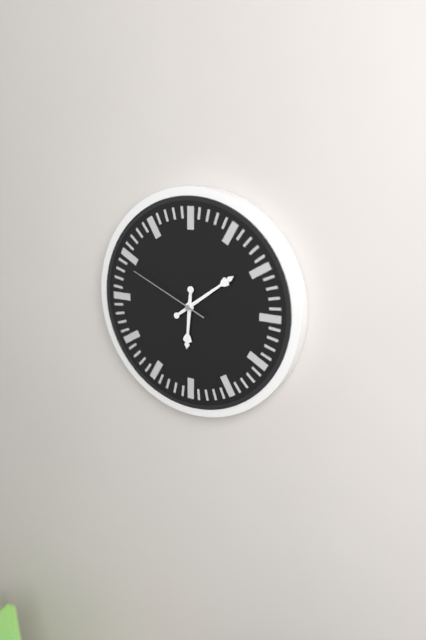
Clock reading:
6.09.49
